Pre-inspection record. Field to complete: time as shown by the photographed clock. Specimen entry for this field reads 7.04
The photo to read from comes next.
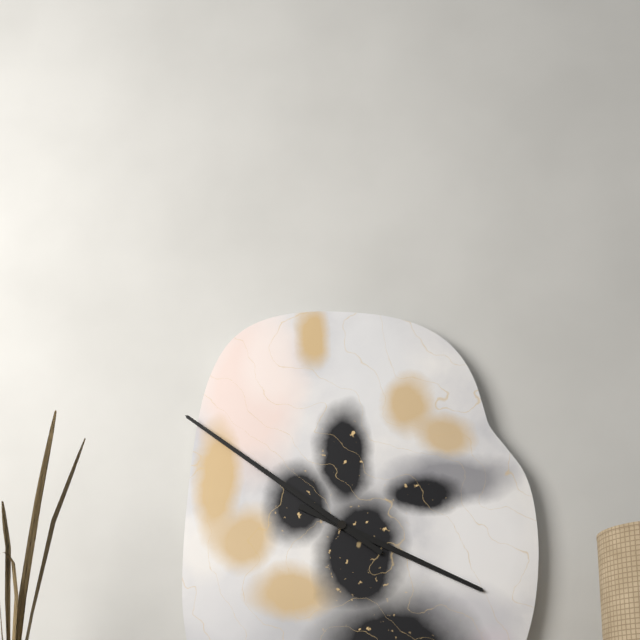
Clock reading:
3.51
